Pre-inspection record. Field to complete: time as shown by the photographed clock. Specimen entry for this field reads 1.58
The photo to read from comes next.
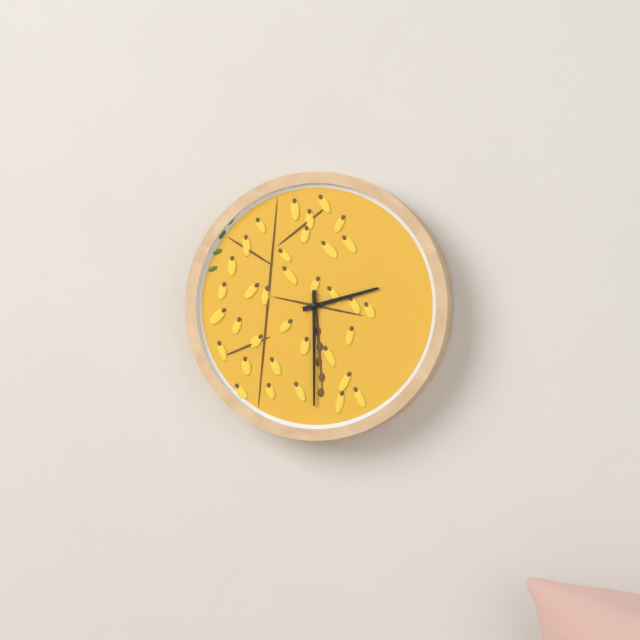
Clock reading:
2.30
